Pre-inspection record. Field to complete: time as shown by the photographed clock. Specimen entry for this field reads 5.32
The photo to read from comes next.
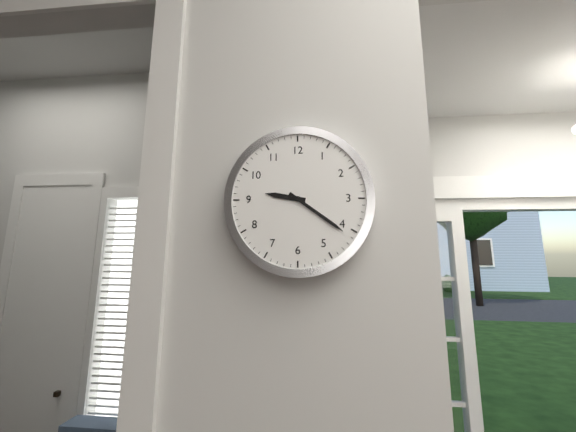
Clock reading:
9.21
